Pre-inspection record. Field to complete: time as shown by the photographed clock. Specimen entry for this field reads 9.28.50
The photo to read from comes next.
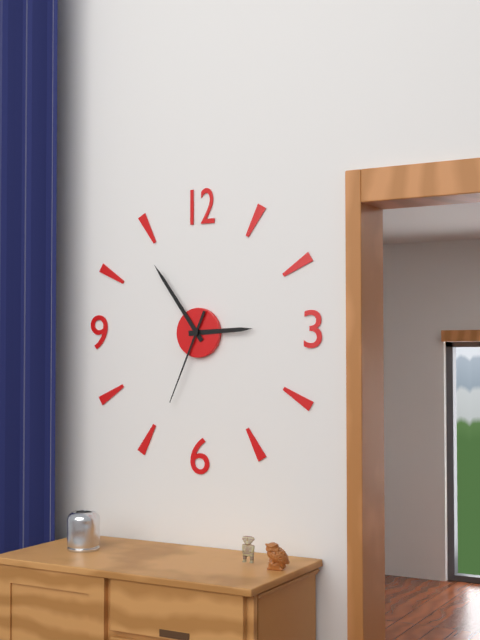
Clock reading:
2.54.34
